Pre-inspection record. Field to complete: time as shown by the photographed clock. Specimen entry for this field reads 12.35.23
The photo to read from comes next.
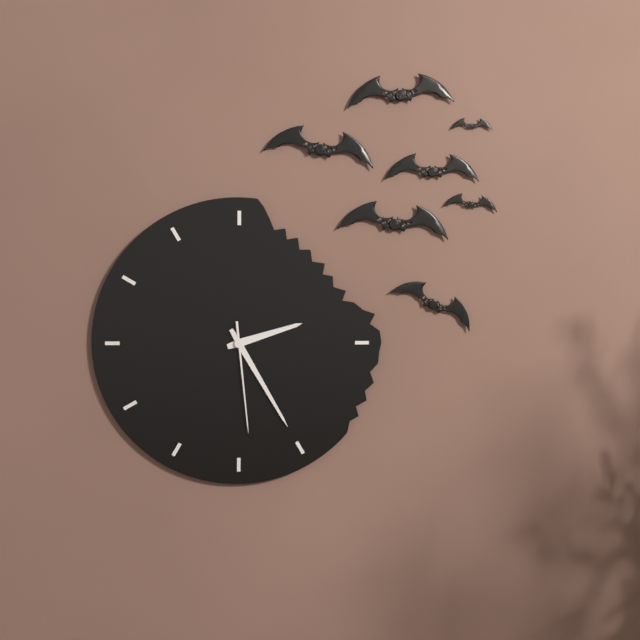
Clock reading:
2.25.29
